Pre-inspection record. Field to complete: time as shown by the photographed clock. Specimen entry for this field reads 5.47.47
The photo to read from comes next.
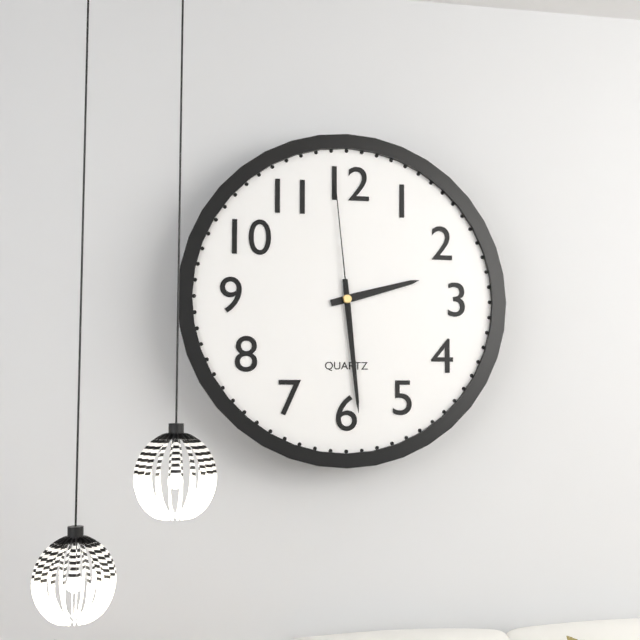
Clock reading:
2.29.59
